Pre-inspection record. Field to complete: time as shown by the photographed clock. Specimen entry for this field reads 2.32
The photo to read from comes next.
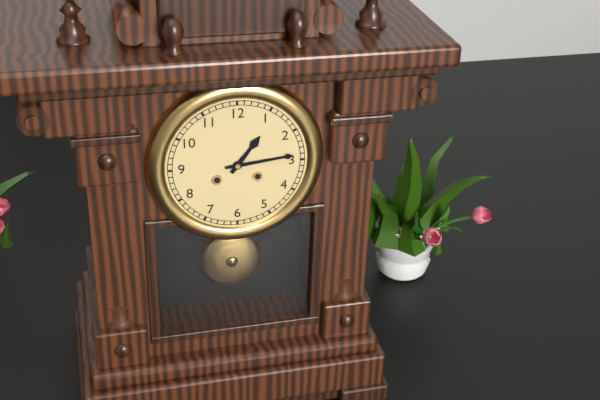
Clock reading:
1.14
